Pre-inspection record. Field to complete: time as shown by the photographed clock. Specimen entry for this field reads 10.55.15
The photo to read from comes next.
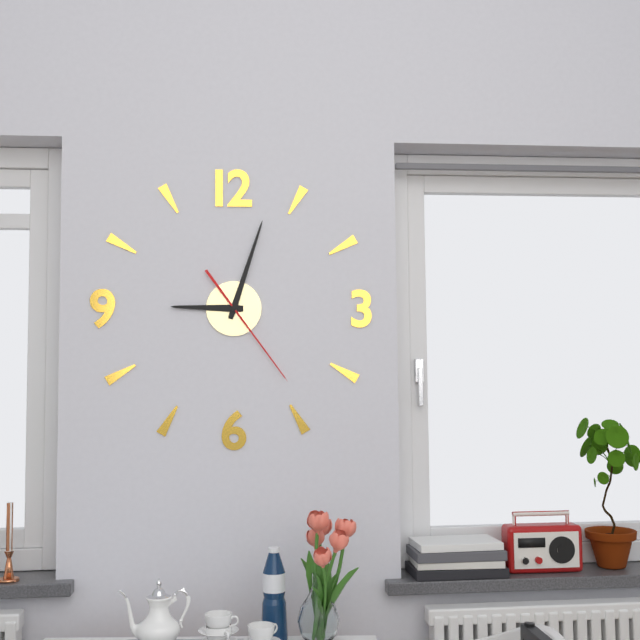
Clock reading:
9.03.24
